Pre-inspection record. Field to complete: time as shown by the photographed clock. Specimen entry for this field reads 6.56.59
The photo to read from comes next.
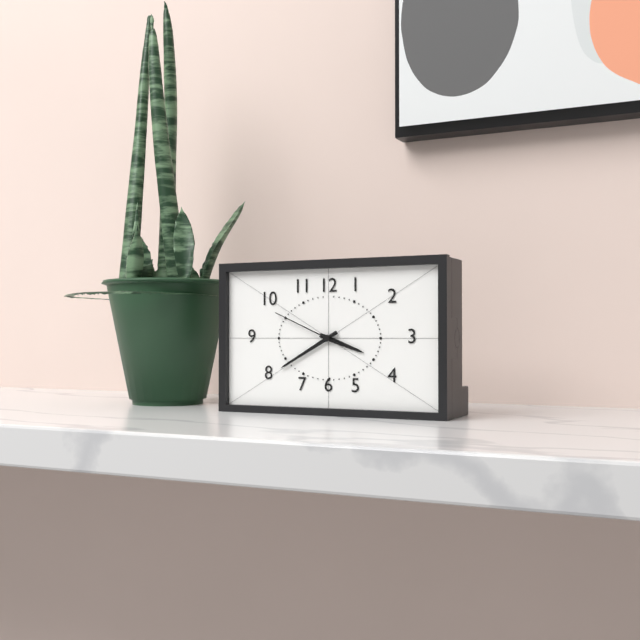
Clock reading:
3.40.49
